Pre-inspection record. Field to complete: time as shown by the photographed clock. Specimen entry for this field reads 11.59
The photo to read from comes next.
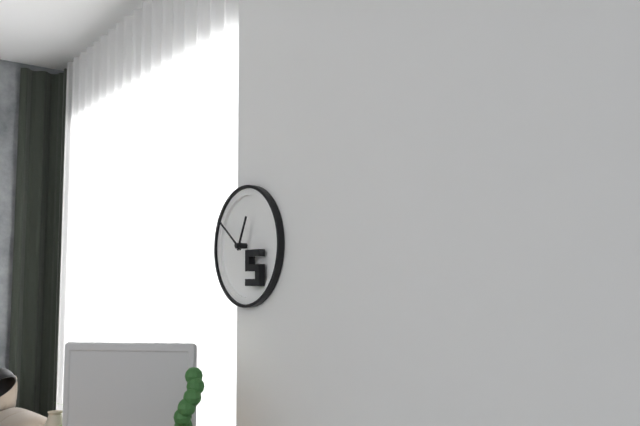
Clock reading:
12.51
